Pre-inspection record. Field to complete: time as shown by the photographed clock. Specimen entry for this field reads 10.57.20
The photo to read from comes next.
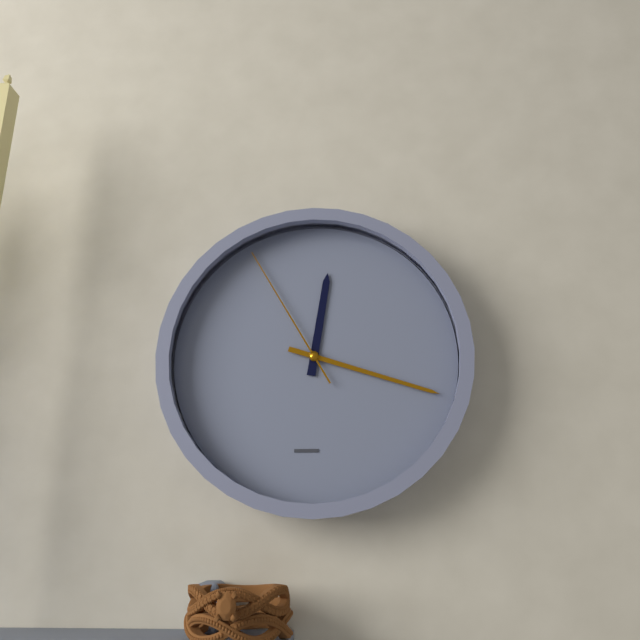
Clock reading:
12.18.55
